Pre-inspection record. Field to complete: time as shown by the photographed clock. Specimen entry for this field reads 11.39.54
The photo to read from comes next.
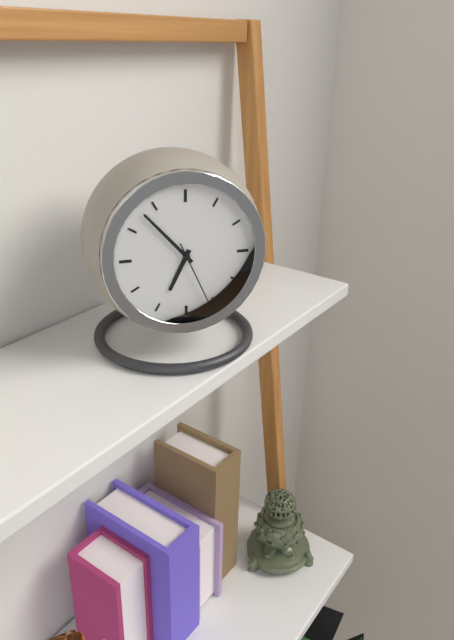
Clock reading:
6.53.26
